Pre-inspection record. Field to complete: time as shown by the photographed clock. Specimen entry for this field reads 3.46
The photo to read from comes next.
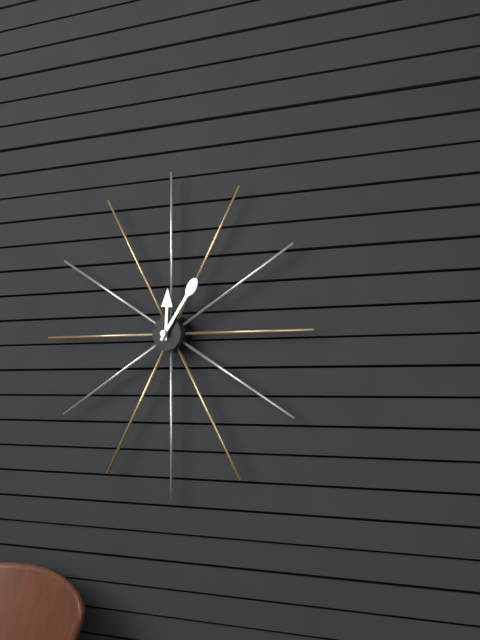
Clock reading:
12.06
